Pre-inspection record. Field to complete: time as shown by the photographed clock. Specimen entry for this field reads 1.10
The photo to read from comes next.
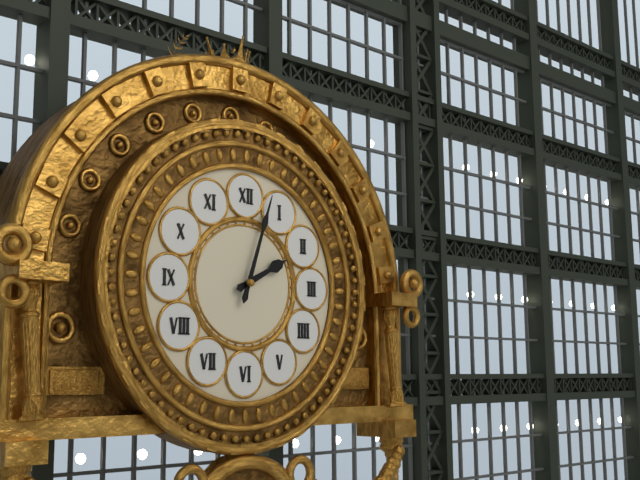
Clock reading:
2.03
